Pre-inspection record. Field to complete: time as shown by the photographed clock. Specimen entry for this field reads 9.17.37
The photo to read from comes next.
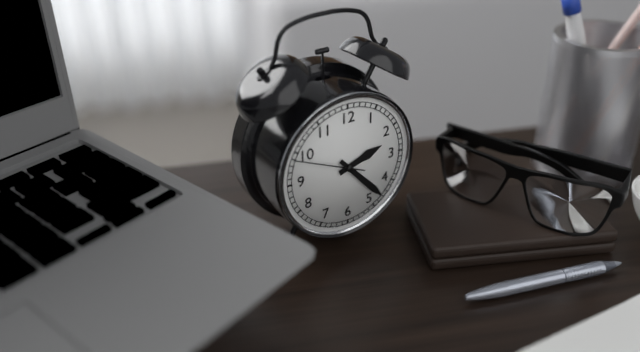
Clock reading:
2.23.49
